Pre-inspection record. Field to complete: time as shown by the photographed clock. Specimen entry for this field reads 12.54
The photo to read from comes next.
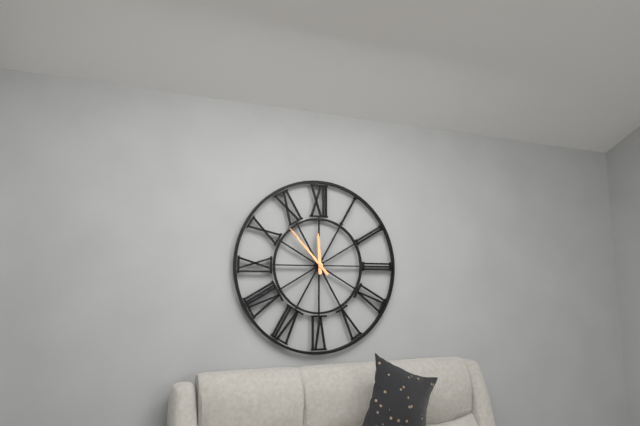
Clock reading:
11.53
